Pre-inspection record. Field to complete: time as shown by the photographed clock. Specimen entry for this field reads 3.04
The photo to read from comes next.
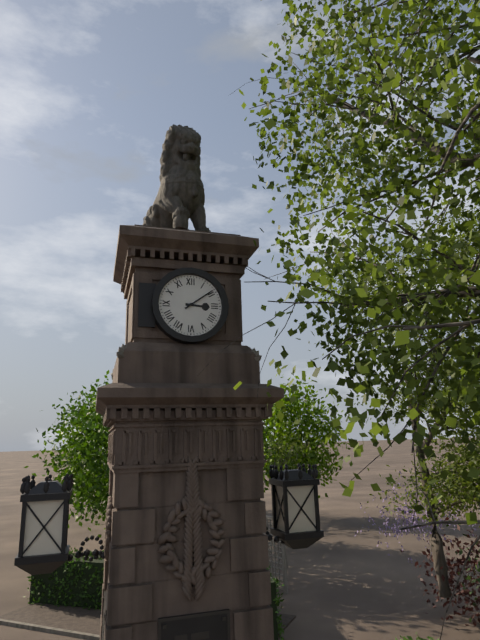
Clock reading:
3.09
